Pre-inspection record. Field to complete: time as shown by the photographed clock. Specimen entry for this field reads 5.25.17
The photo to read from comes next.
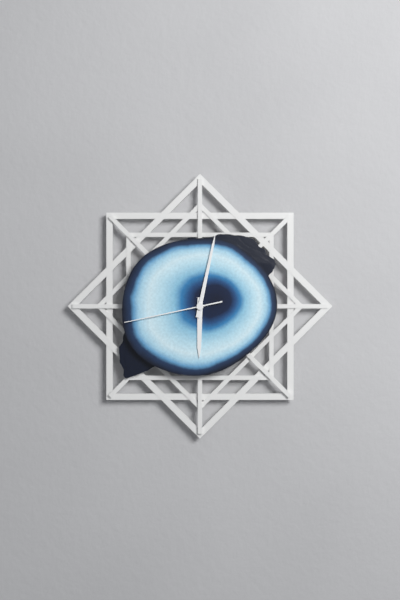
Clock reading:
6.02.43
